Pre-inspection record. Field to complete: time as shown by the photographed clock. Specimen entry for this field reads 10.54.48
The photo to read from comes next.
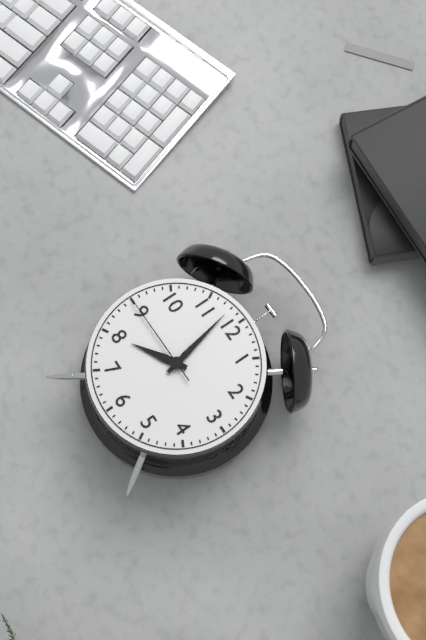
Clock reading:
7.58.45
